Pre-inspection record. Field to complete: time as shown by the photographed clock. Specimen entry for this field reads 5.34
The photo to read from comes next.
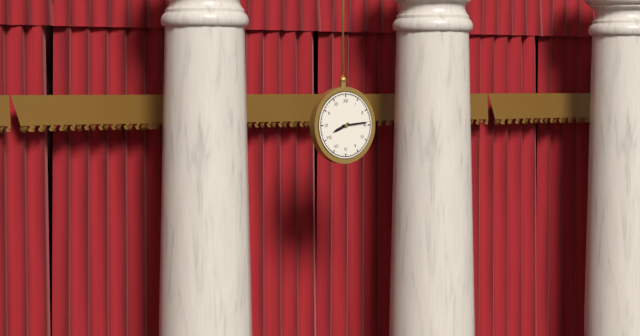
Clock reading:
8.14
